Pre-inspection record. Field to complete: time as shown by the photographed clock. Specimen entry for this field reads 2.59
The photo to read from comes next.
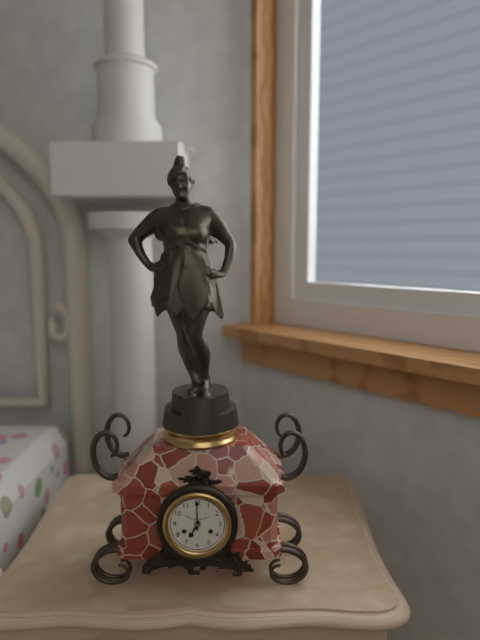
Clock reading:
7.00
